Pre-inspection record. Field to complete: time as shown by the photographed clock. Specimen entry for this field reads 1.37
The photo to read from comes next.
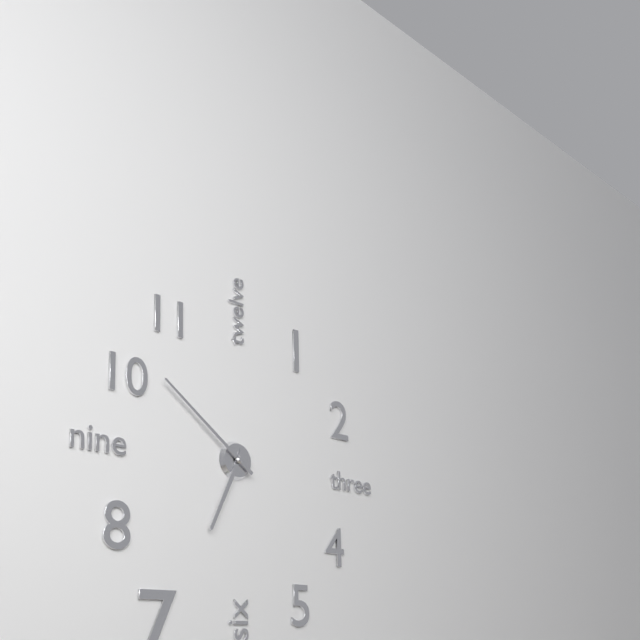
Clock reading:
6.51
